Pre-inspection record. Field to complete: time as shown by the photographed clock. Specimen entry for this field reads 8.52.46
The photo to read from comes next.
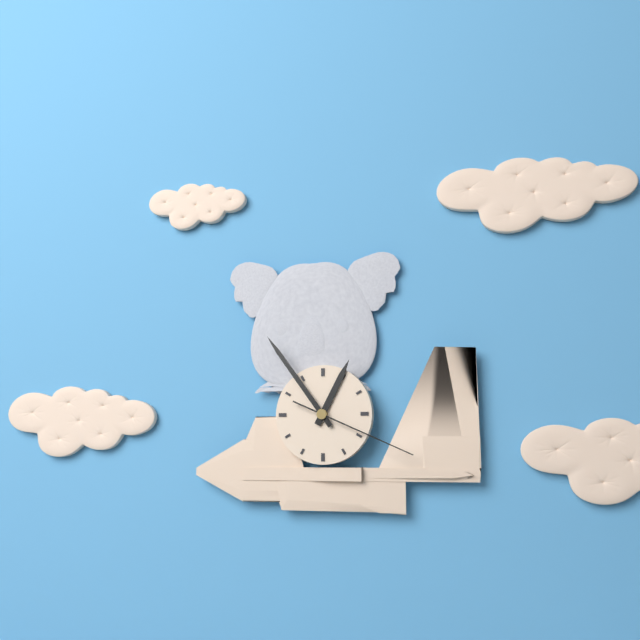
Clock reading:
12.54.19
